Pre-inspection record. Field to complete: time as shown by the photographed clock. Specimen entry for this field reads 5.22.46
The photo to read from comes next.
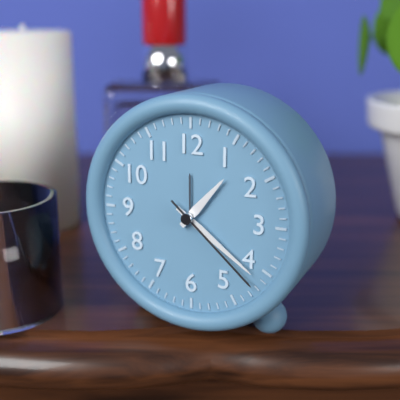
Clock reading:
1.21.22
